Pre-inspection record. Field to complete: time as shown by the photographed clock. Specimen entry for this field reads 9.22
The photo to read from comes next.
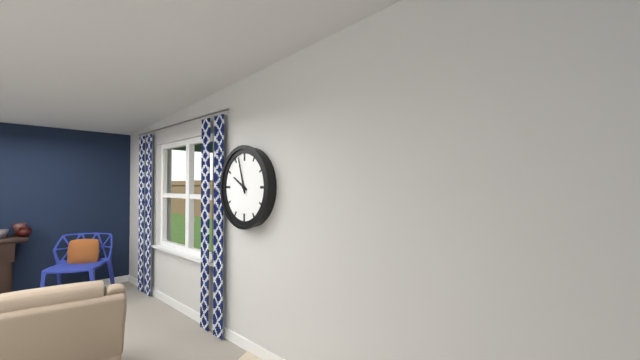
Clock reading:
9.57
